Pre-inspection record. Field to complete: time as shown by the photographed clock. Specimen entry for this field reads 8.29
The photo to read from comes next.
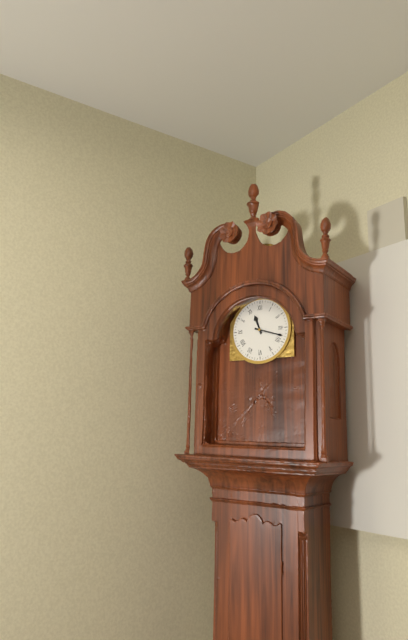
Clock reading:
11.18
